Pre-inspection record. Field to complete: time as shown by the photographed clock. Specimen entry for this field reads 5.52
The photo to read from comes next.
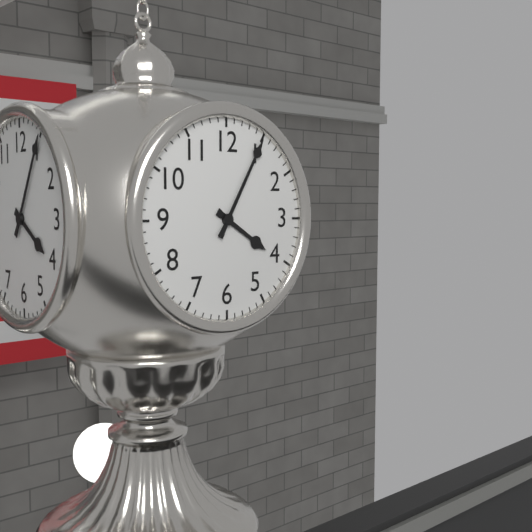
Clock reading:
4.05
